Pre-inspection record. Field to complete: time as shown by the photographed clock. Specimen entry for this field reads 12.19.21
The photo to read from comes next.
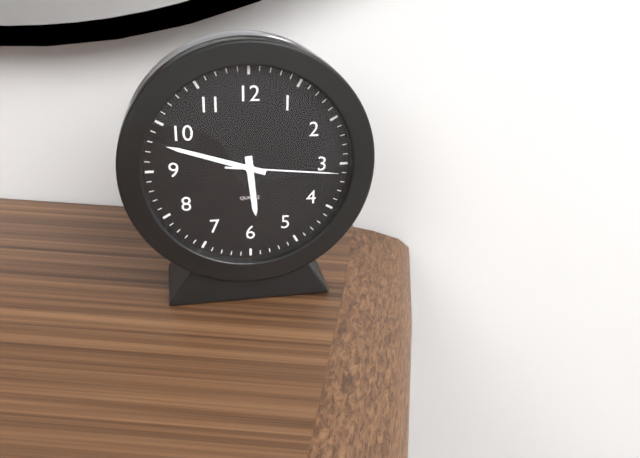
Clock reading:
5.48.16
